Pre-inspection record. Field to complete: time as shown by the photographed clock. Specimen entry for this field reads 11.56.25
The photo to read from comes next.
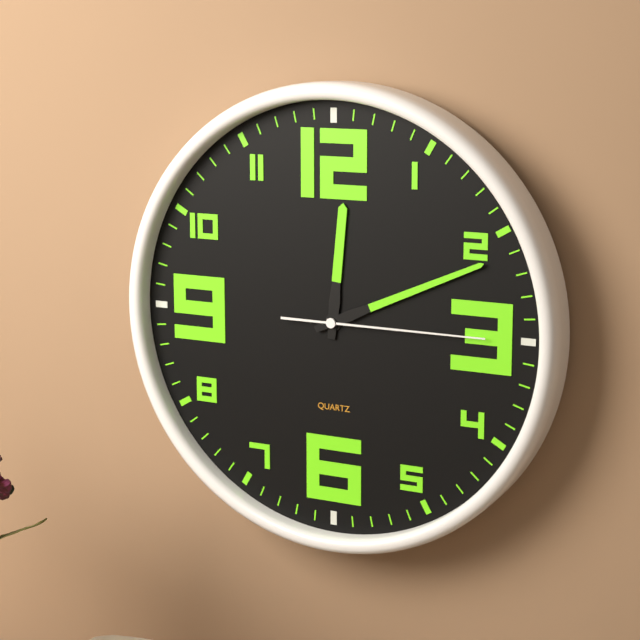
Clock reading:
12.11.15
